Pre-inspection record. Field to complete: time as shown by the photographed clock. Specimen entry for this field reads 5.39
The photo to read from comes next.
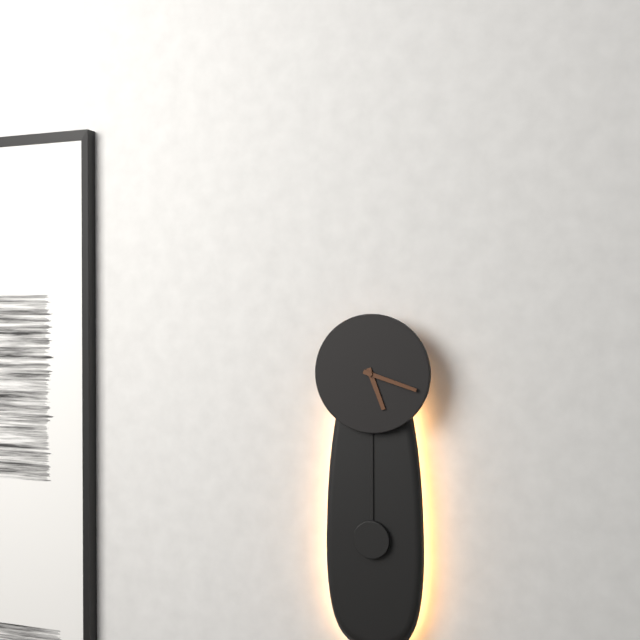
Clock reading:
5.18
